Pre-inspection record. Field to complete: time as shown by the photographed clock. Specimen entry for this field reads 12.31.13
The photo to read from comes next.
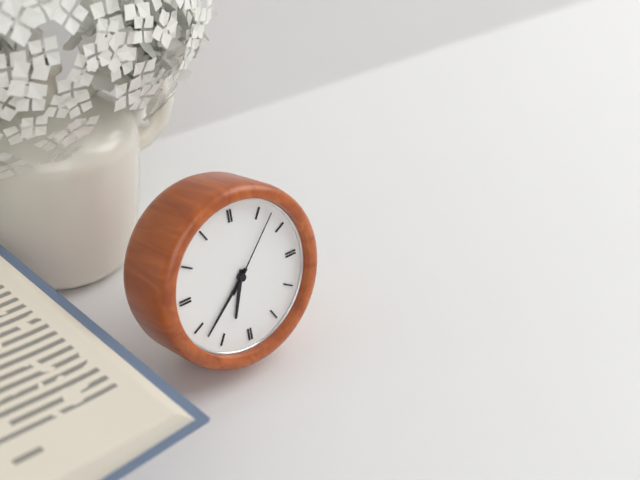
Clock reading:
6.38.07
